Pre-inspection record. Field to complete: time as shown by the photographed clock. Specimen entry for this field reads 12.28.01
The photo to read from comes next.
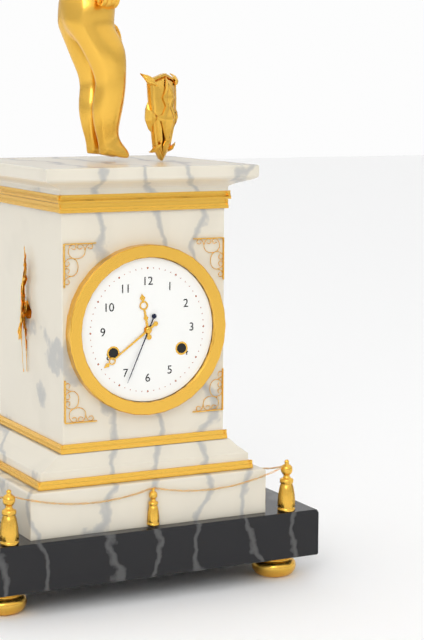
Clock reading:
11.39.34
